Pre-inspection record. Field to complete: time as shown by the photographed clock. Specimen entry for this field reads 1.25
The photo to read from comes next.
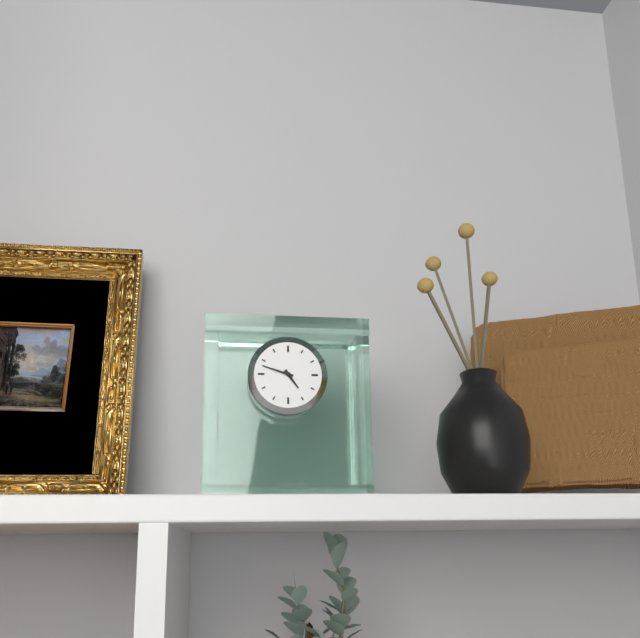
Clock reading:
4.48
